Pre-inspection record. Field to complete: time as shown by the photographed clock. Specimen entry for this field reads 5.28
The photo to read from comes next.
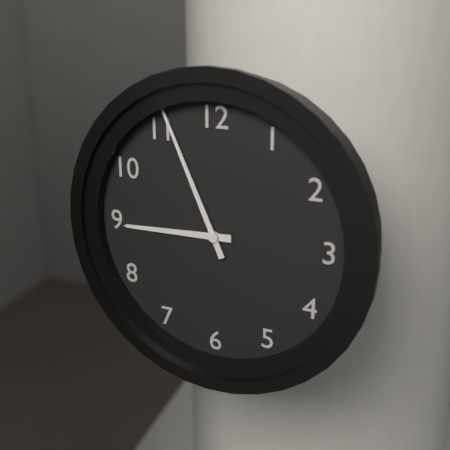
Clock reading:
8.56
